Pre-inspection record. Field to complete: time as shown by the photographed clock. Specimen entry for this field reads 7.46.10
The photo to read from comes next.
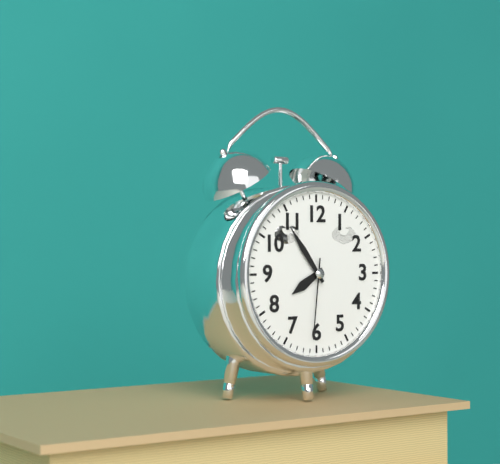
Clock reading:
7.54.31
